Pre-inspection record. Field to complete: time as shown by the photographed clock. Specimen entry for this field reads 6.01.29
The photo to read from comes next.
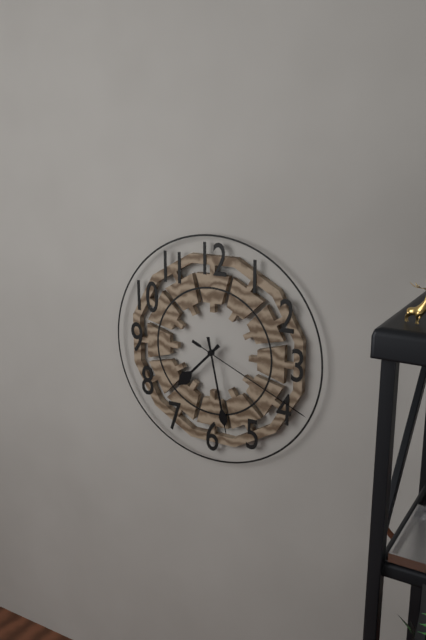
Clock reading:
7.28.19
